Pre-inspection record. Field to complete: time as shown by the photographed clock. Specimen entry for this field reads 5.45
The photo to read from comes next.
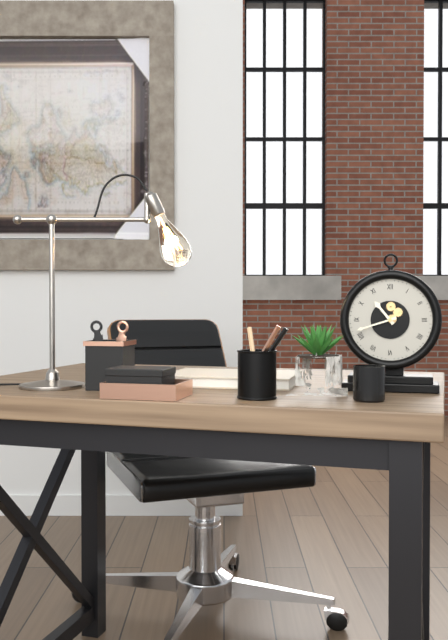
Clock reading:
10.42
